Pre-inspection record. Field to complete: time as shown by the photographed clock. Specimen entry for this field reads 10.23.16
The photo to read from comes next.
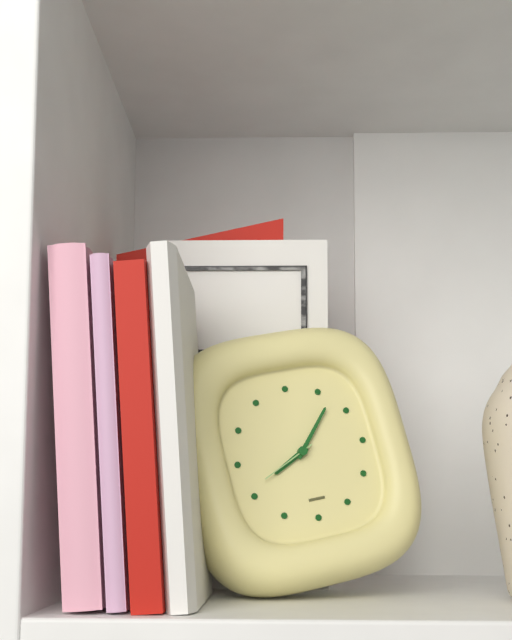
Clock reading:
8.07.41
